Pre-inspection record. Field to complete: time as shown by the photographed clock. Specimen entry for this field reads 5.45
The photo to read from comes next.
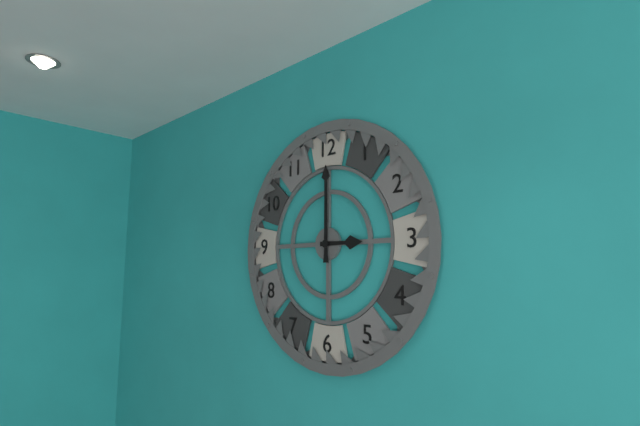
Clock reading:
3.00
